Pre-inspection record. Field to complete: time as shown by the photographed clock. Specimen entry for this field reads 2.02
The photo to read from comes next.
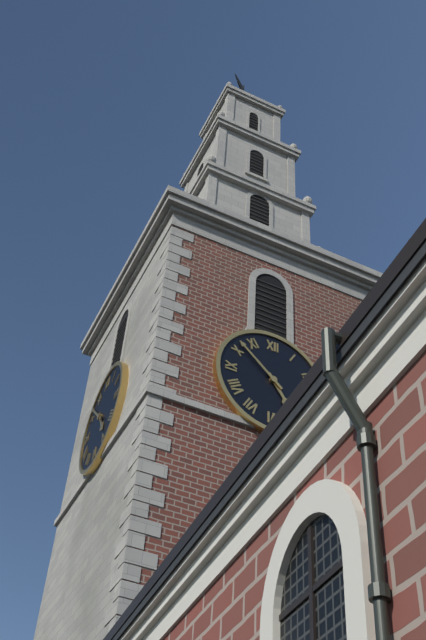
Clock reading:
4.52
